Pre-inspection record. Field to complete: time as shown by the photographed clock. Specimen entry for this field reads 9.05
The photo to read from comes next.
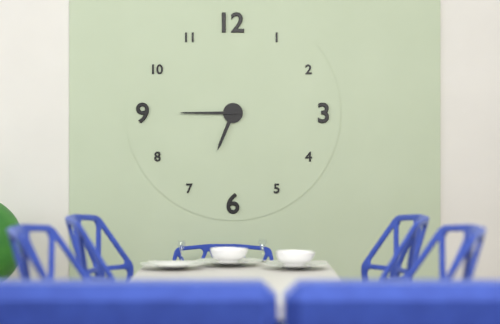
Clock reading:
6.45
